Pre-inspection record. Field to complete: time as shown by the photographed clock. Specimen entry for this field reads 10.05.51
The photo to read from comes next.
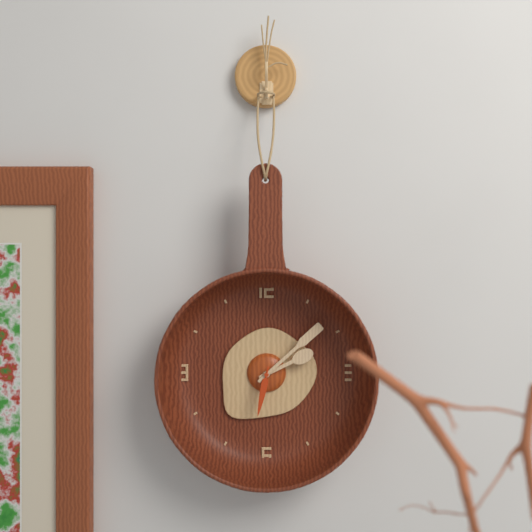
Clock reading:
2.08.32
